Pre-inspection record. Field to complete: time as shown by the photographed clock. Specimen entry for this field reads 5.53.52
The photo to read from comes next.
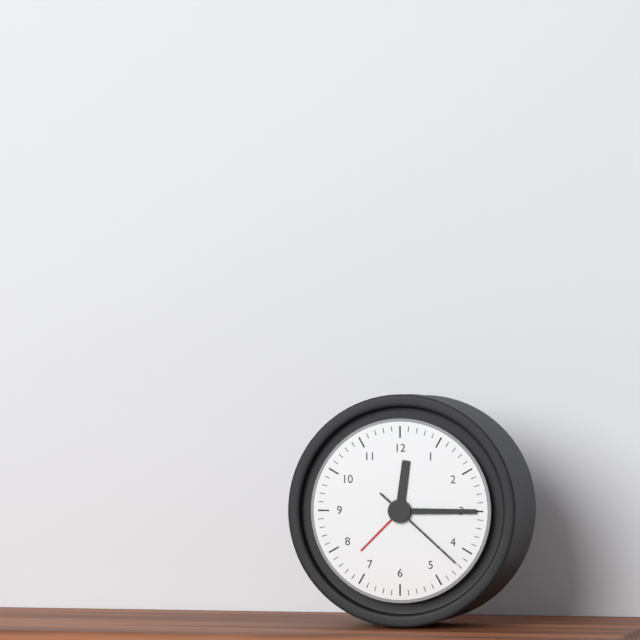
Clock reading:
12.15.22
